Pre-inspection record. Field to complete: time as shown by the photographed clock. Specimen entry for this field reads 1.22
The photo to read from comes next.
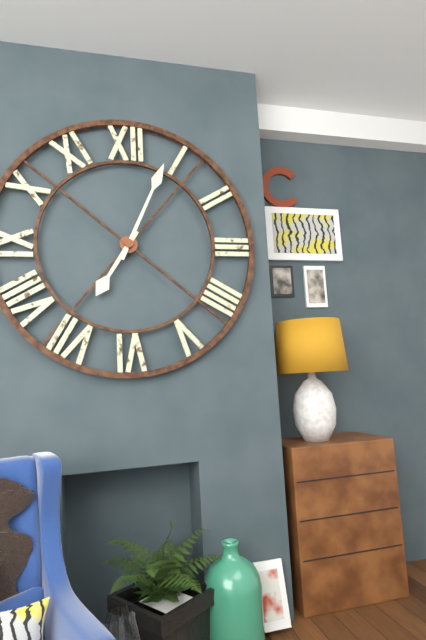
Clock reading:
7.04
